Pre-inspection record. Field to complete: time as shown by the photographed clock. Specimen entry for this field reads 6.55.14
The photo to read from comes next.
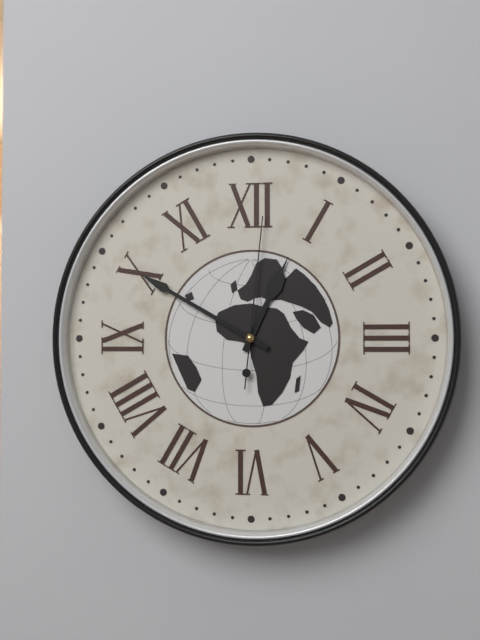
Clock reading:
12.50.01
